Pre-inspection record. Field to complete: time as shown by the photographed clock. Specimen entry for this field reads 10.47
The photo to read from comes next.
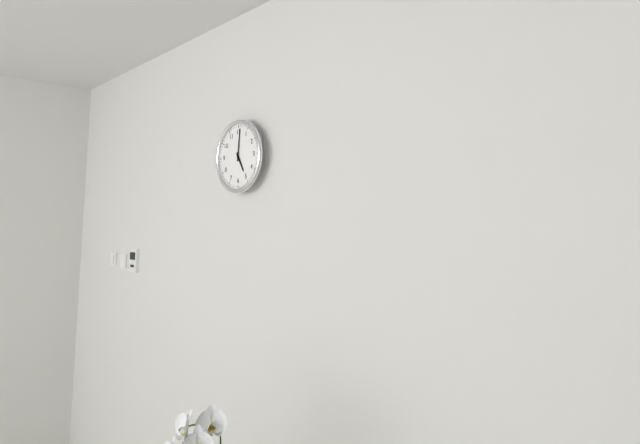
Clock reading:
5.01
